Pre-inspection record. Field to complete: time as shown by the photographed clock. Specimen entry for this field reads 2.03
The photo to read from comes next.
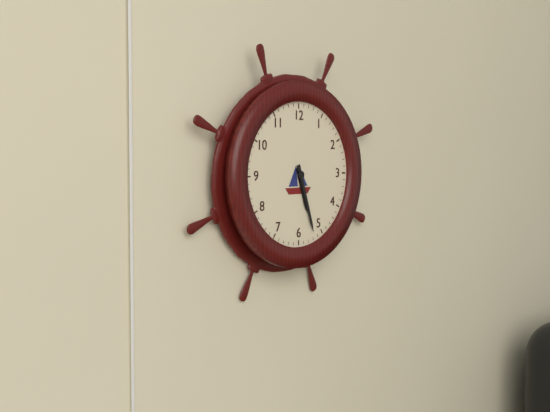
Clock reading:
5.27
